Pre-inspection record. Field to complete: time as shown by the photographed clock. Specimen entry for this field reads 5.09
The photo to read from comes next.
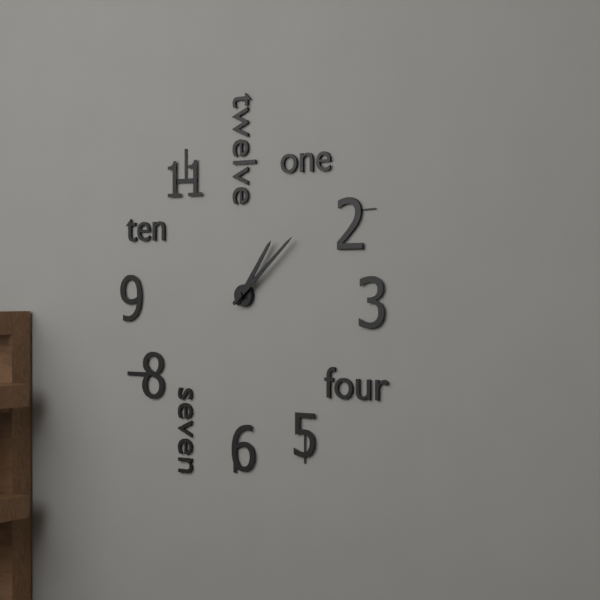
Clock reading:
1.08
